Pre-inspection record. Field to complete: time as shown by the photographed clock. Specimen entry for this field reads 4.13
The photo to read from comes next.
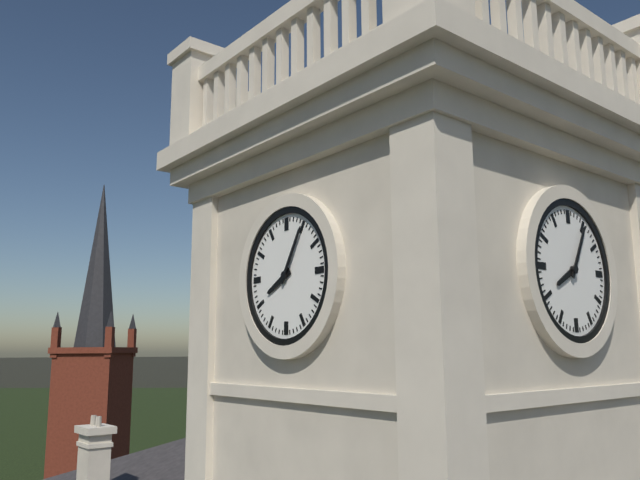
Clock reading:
8.05
